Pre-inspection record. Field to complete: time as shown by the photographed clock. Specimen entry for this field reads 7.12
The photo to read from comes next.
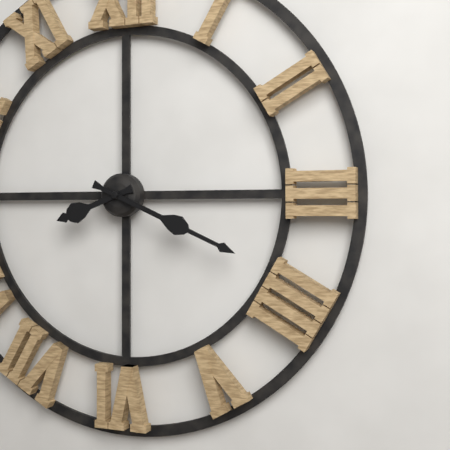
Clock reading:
8.19
